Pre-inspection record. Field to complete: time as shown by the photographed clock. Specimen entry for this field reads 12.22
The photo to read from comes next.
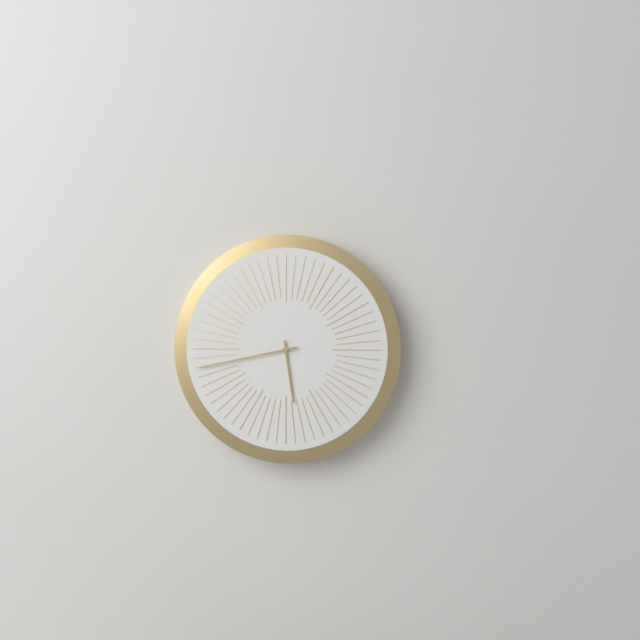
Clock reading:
5.43
